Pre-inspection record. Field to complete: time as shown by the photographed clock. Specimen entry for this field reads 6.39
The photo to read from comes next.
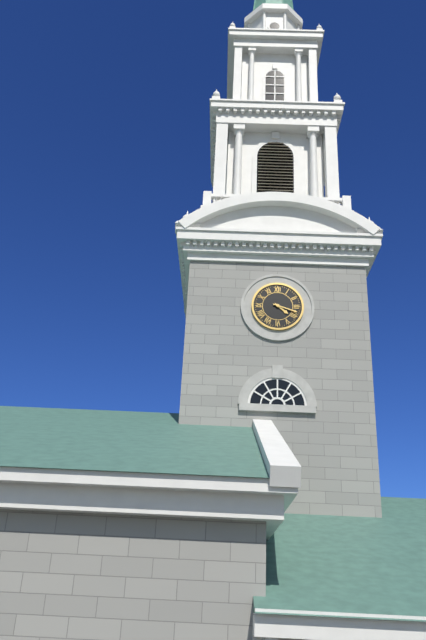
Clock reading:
4.18
